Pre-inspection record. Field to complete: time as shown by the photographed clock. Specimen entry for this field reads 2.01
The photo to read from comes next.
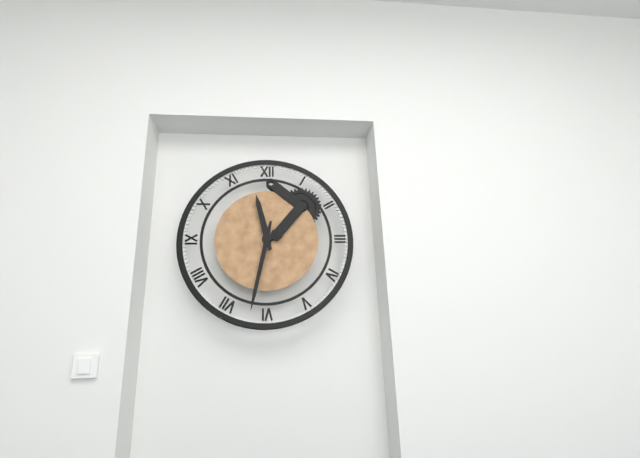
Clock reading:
11.32
